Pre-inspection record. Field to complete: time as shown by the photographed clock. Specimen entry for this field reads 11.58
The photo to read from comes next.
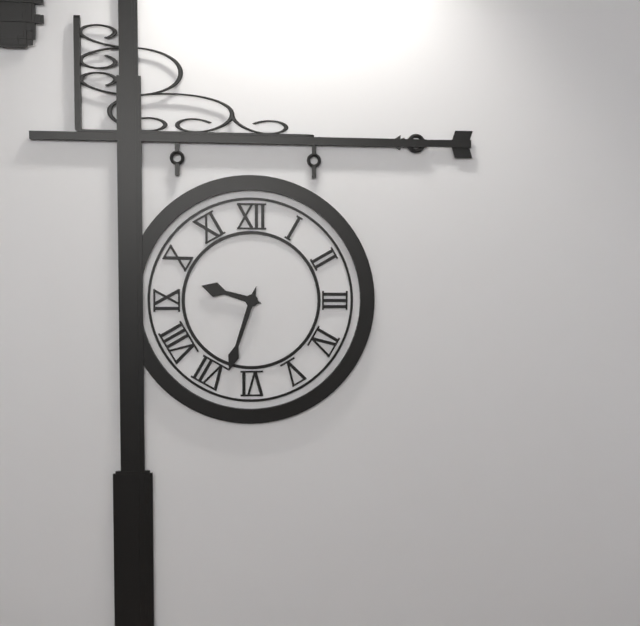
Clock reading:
9.33
